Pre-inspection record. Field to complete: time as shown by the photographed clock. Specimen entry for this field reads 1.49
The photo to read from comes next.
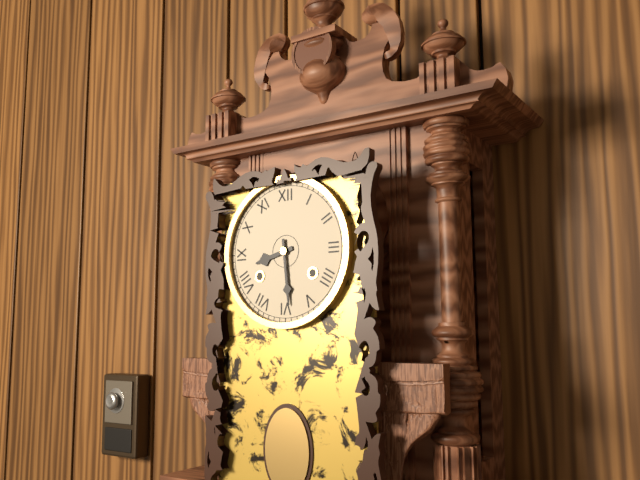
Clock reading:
8.29
